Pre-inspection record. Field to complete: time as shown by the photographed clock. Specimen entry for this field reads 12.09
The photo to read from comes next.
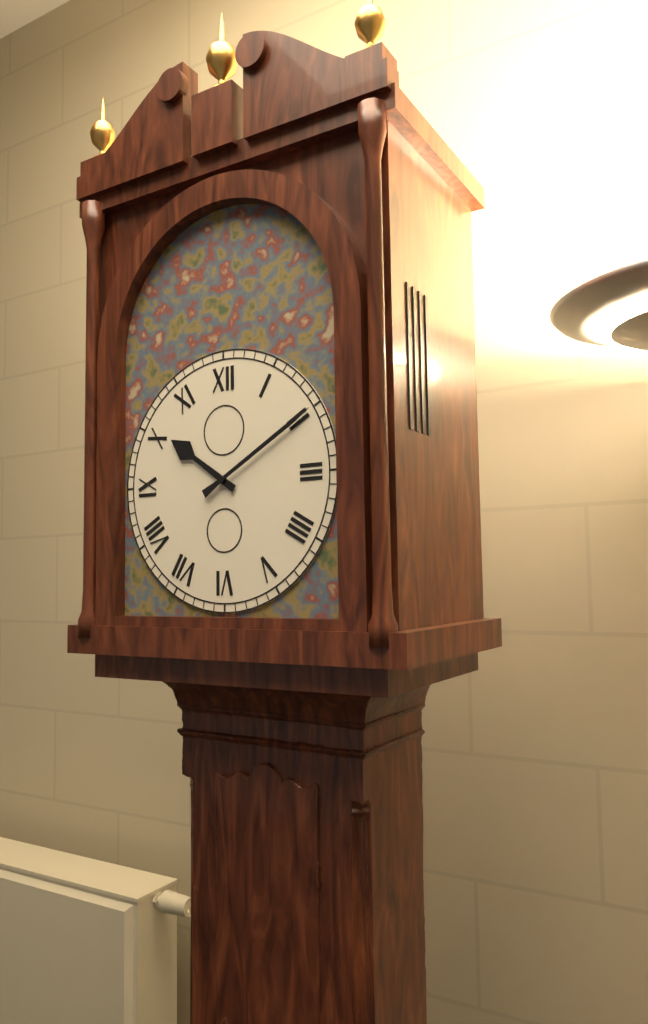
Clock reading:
10.10
